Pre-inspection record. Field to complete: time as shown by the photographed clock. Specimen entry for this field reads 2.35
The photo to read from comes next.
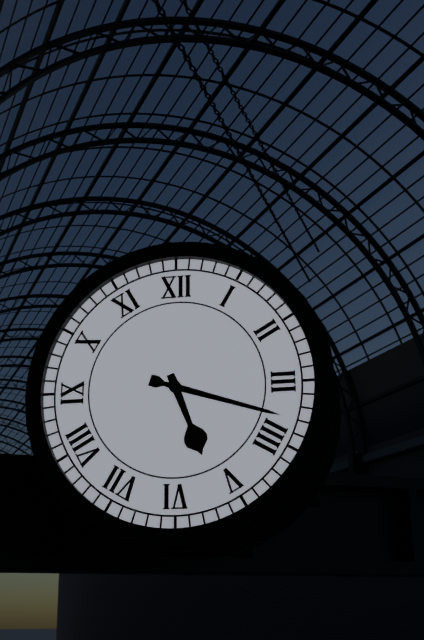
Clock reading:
5.18
